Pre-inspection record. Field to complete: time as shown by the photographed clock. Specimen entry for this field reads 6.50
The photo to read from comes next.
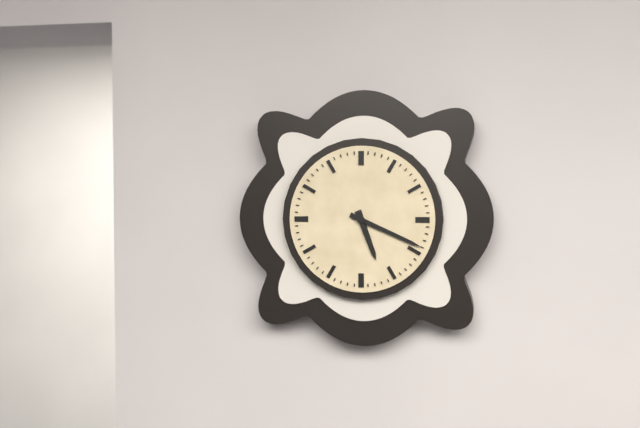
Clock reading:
5.19
